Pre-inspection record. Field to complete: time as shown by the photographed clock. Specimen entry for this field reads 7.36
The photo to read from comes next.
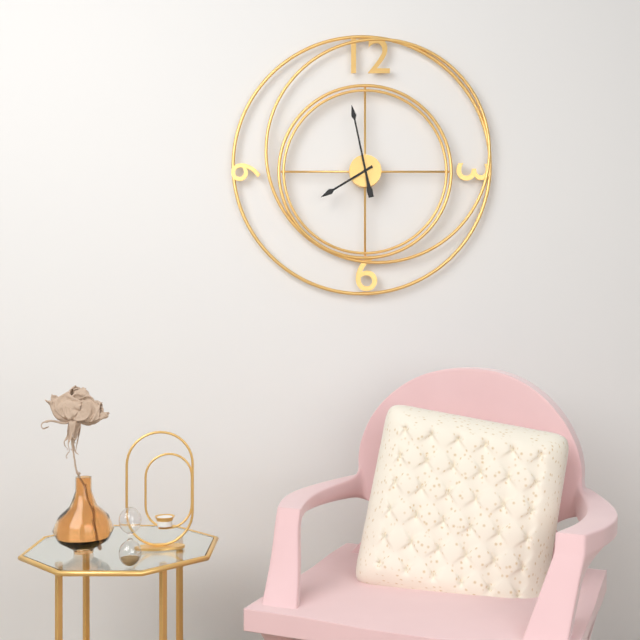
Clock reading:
7.58
